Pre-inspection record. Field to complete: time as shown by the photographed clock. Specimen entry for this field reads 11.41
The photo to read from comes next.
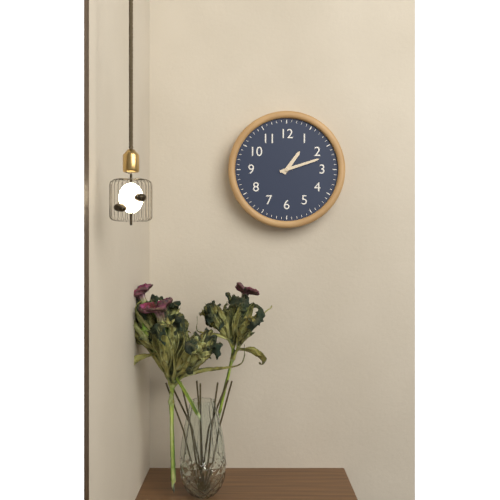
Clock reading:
1.12
